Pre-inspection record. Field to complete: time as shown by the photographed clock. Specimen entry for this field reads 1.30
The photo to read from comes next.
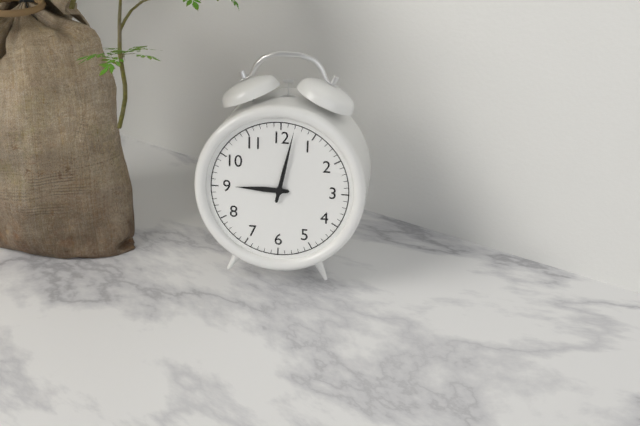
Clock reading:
9.02
